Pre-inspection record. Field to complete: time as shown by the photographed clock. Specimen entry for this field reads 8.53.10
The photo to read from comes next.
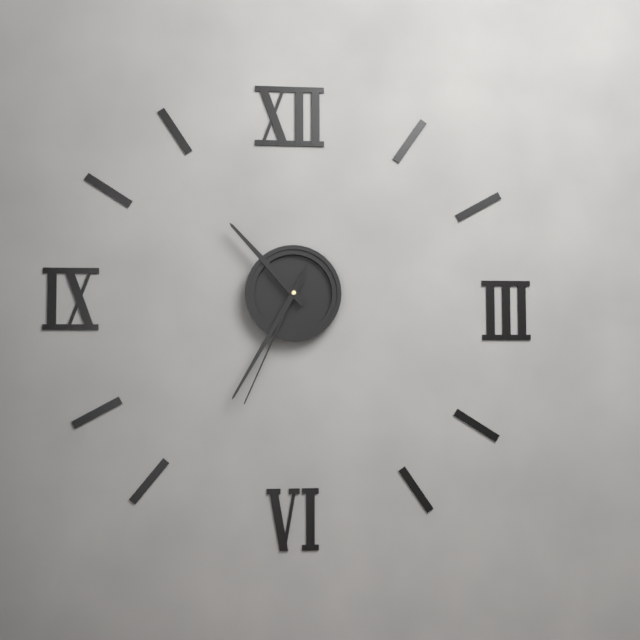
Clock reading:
10.35.34
